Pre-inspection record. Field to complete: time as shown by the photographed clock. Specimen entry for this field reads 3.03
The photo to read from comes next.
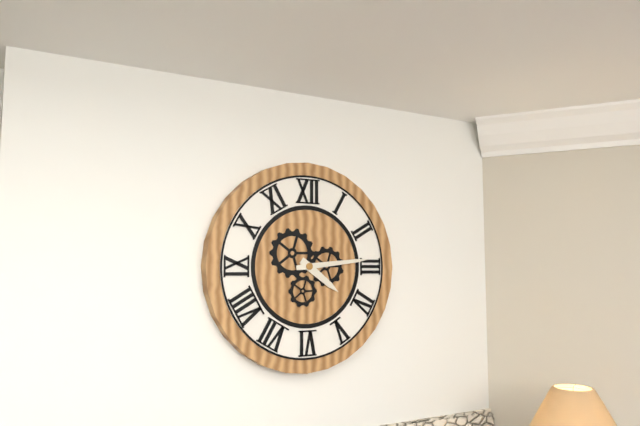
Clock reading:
4.14
